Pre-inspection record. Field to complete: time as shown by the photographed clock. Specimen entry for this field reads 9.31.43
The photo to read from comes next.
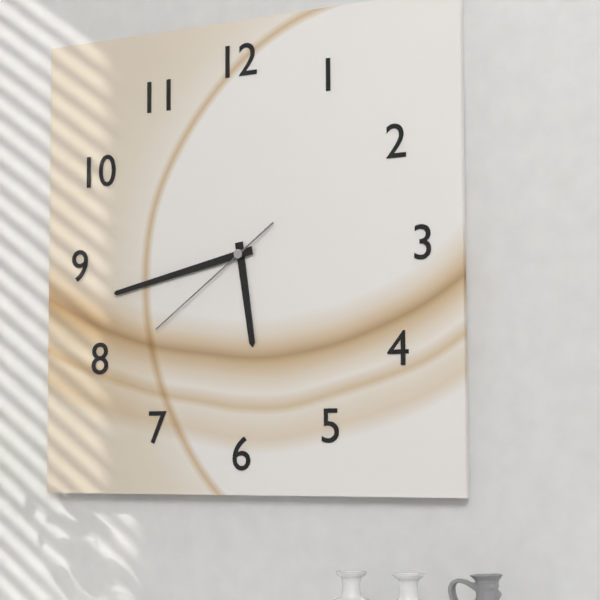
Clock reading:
5.43.39
